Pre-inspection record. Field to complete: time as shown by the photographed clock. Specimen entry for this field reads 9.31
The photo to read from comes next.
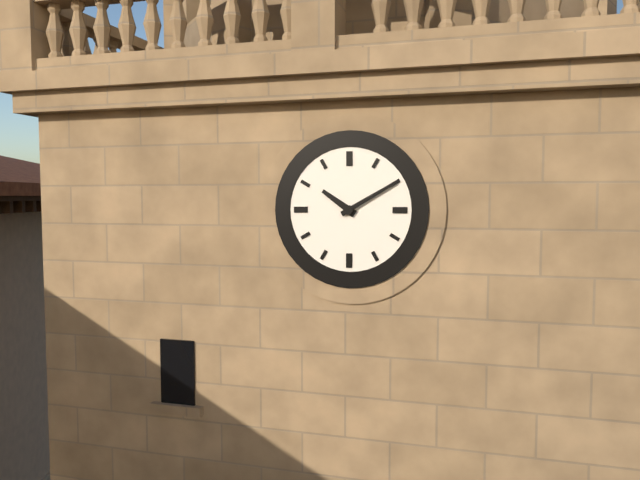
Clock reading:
10.10
